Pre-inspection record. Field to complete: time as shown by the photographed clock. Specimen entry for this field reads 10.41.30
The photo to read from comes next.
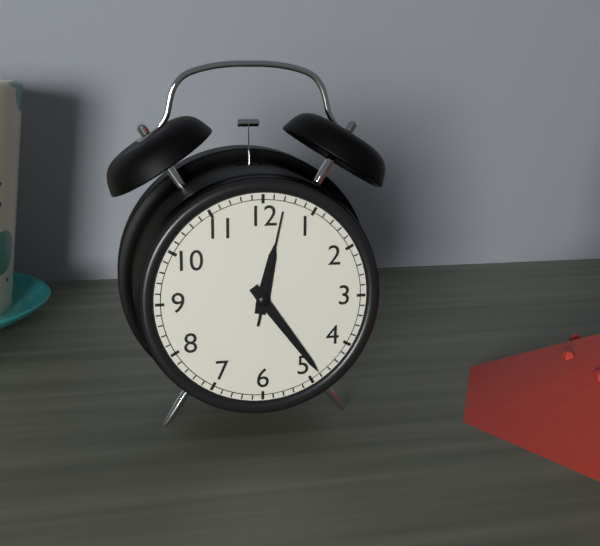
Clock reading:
12.24.02
